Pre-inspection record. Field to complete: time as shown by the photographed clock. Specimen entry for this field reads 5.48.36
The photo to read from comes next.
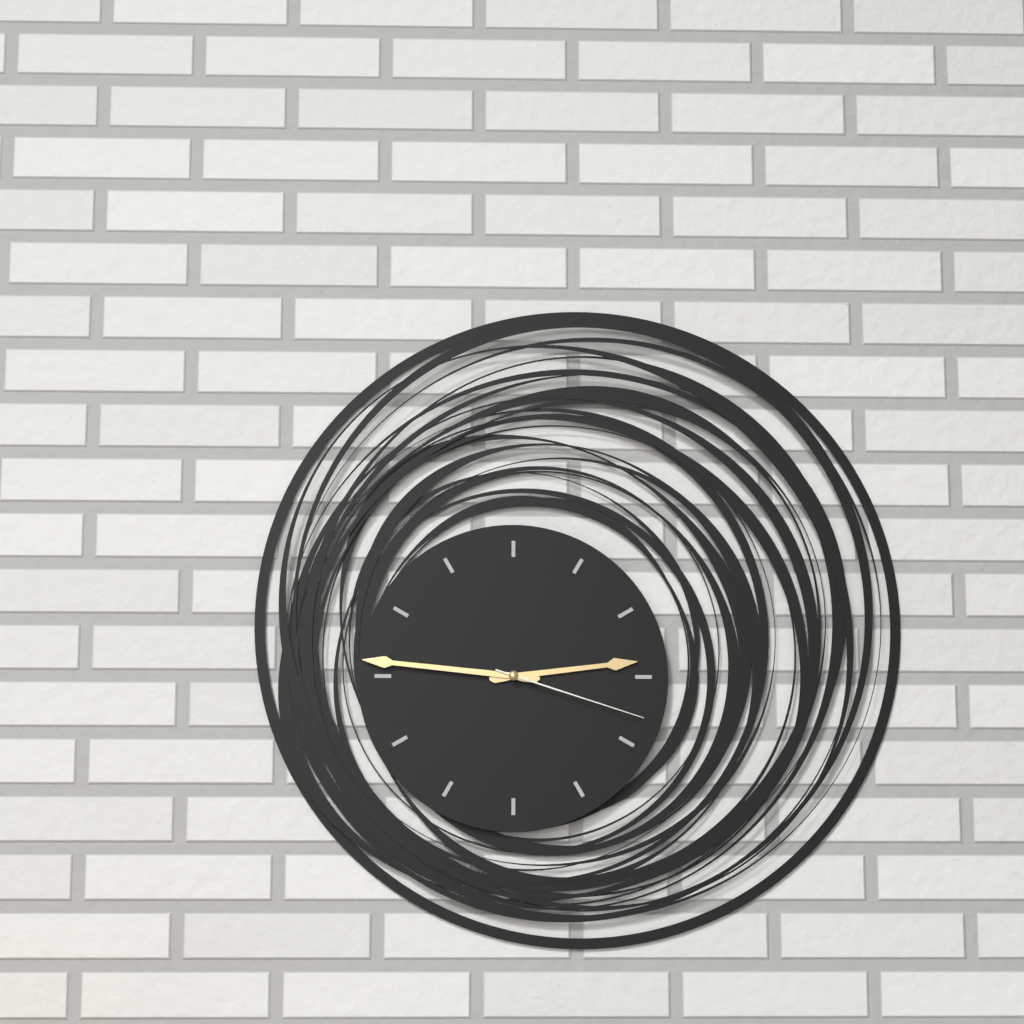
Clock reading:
2.46.18
